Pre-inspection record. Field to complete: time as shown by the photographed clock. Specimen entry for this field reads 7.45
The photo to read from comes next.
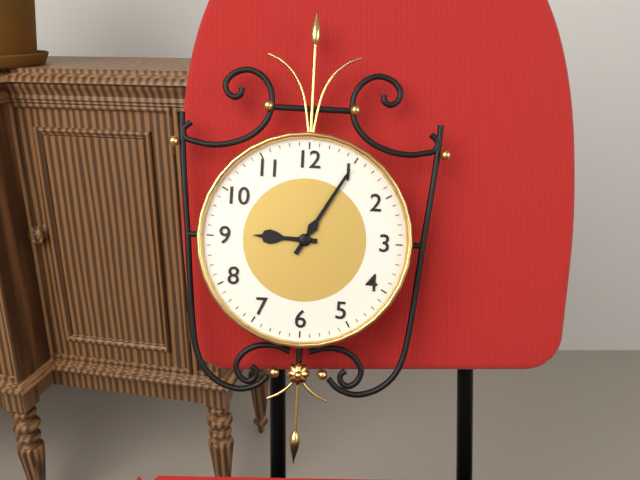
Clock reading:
9.05
